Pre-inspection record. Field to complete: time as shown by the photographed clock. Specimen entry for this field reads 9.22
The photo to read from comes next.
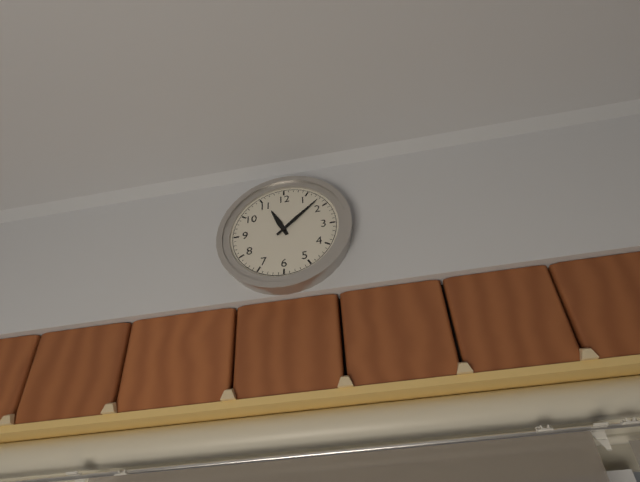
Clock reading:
11.08
